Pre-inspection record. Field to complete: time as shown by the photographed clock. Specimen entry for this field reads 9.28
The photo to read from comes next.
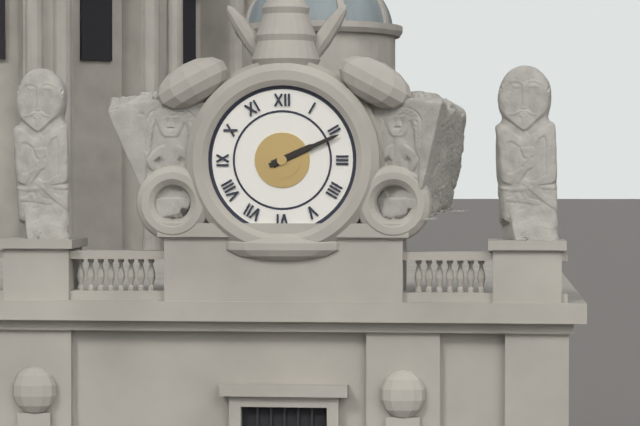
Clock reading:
2.11
